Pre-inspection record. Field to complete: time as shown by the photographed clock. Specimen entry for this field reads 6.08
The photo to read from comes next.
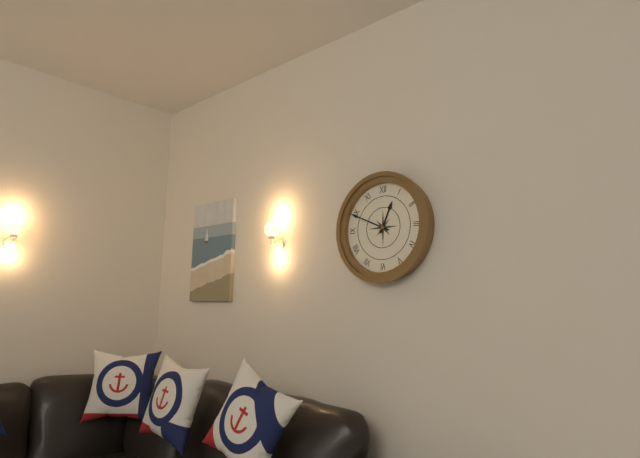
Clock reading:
12.49
